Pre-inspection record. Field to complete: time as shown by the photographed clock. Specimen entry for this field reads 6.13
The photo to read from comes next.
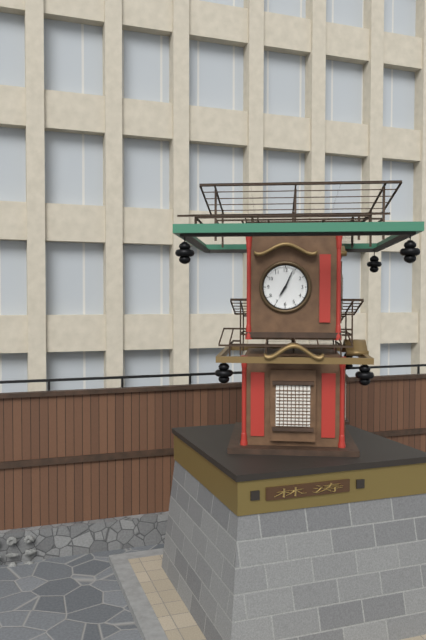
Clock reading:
7.04
